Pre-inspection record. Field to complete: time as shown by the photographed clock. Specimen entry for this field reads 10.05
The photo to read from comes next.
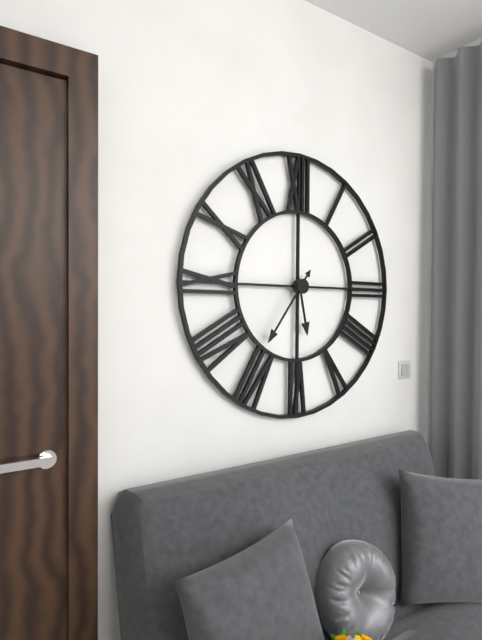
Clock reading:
5.36
